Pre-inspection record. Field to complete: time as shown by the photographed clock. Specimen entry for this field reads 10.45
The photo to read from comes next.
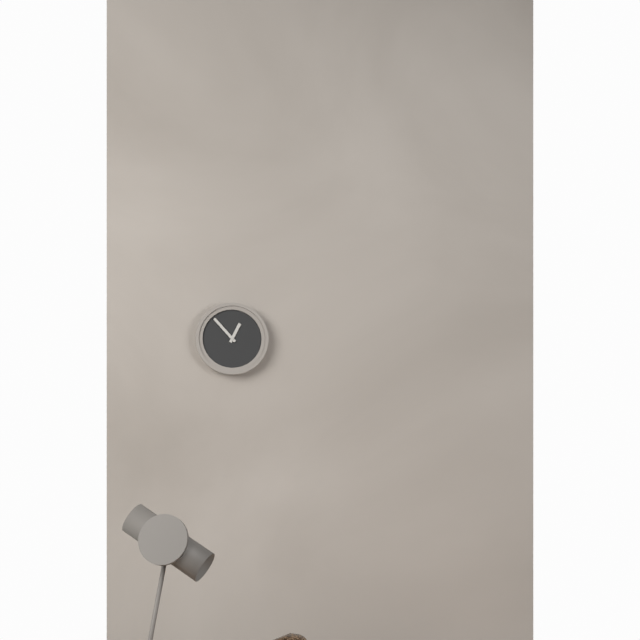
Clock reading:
12.53
